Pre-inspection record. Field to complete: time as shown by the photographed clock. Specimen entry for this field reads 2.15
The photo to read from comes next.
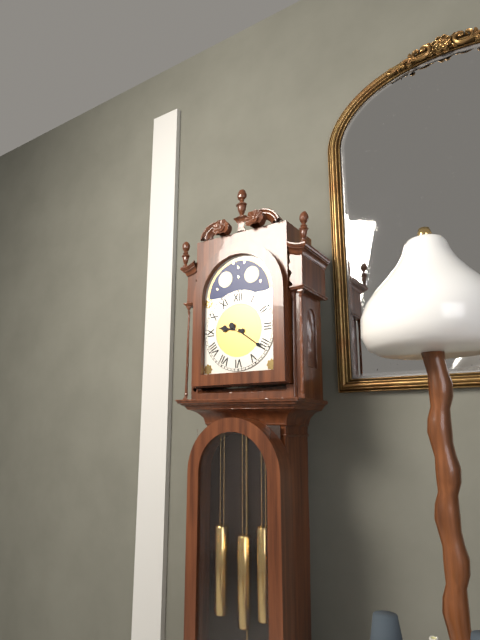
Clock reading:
9.21
